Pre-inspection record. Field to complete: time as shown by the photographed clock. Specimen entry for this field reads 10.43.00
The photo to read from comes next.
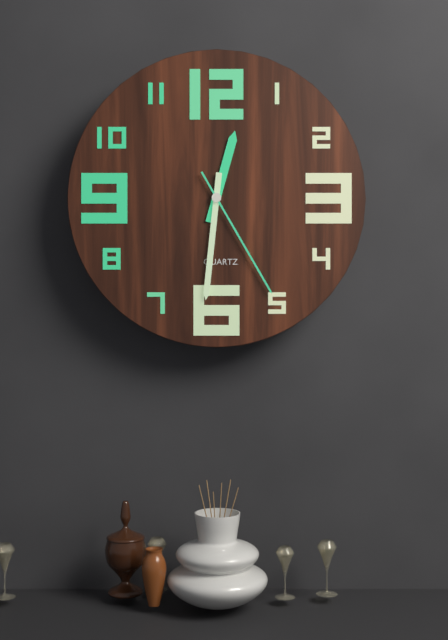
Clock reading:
12.31.25
